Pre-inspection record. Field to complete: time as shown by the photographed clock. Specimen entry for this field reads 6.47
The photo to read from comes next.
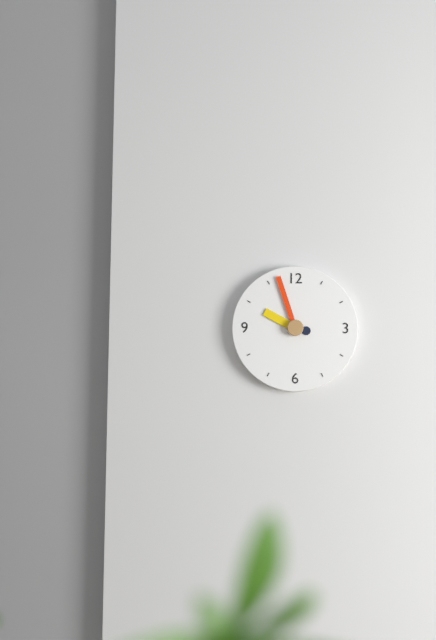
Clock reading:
9.57
